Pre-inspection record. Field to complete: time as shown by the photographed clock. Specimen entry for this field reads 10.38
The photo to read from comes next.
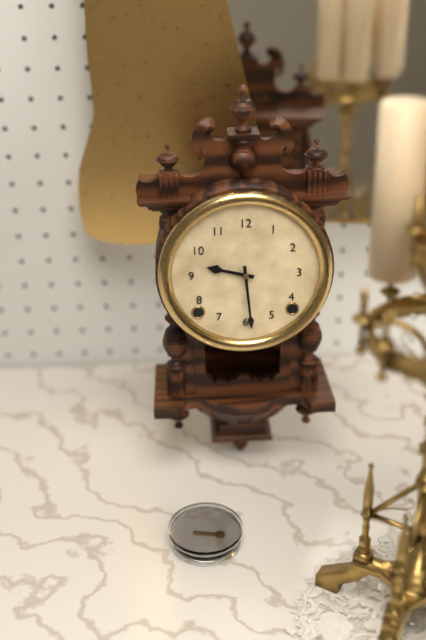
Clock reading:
9.29
